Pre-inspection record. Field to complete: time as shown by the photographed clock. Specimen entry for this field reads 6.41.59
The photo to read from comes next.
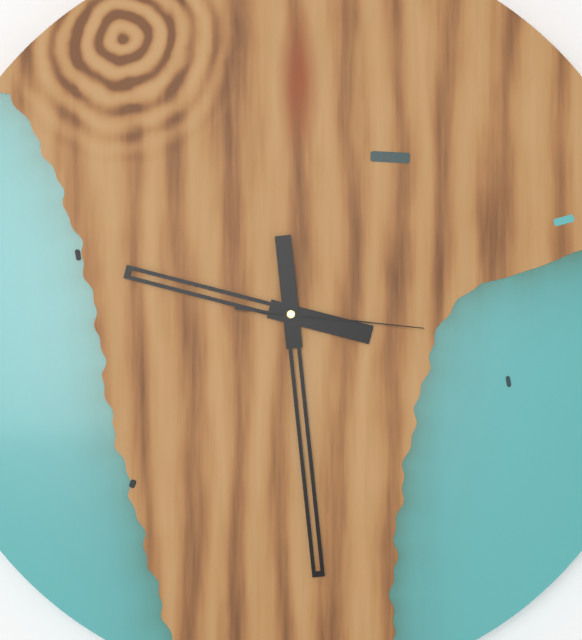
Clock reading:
9.29.16
